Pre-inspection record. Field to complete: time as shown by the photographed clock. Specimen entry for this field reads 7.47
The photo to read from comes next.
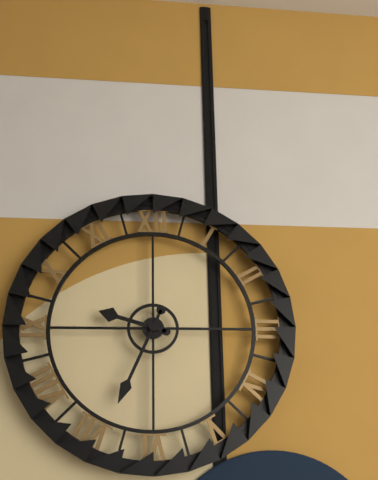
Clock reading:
9.34
